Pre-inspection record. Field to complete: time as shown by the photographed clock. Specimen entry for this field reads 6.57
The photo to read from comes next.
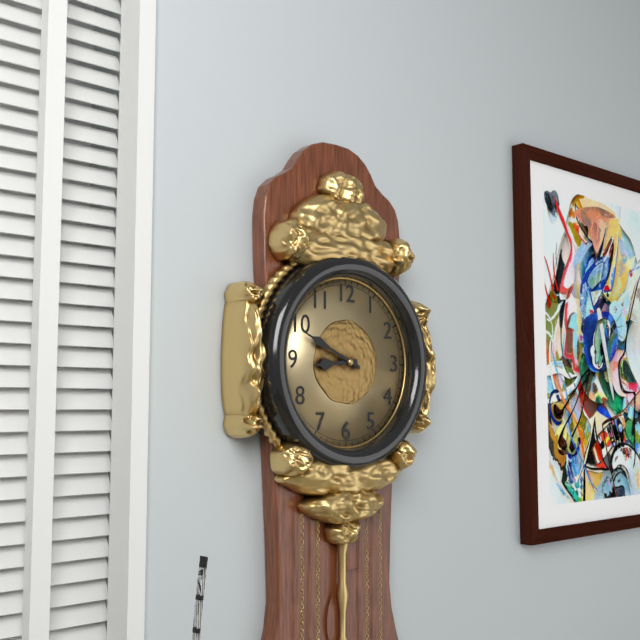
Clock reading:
8.49
